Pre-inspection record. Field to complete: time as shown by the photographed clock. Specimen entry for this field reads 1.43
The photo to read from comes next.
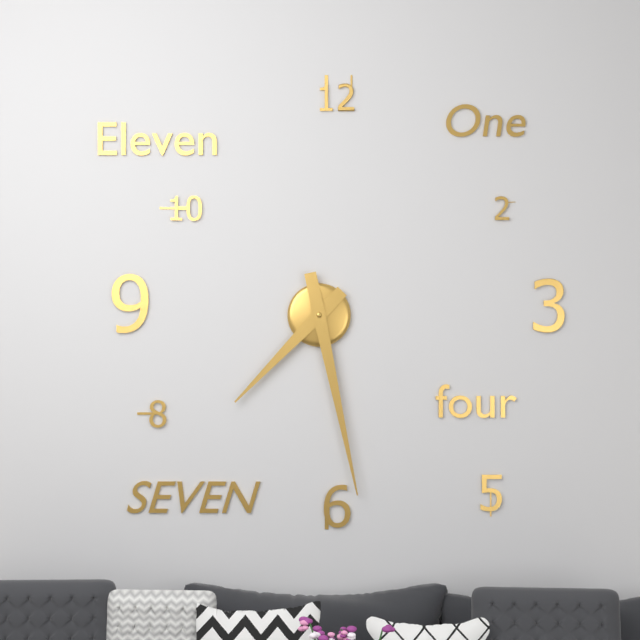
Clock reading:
7.28
